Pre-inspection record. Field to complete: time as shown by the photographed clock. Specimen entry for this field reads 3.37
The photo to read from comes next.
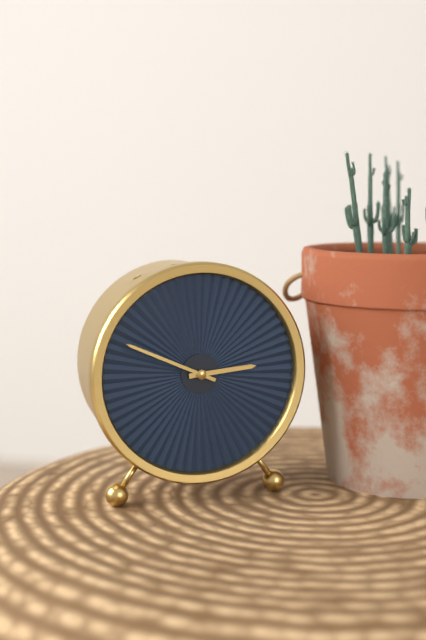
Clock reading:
2.49
